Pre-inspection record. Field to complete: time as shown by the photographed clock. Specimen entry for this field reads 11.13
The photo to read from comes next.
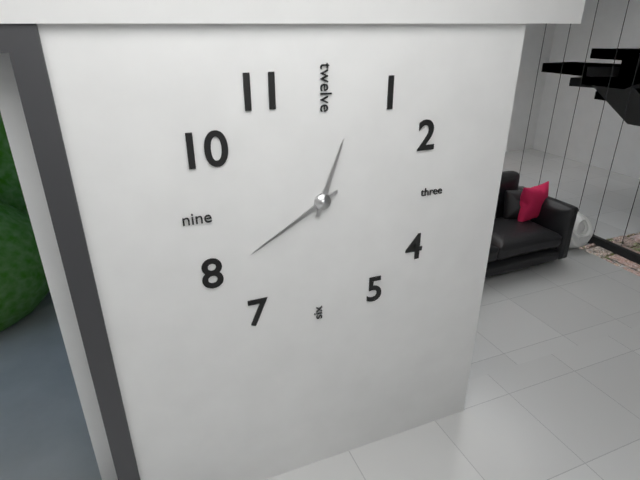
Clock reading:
12.40
